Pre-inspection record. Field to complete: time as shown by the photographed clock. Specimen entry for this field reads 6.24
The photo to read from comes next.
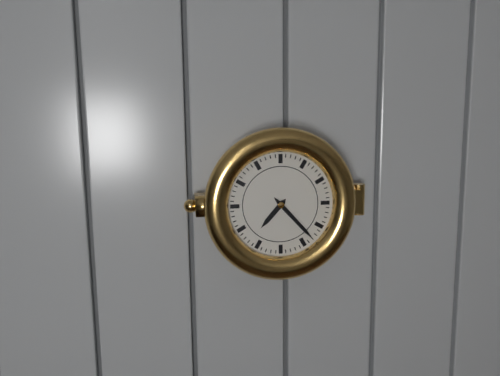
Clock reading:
7.23
